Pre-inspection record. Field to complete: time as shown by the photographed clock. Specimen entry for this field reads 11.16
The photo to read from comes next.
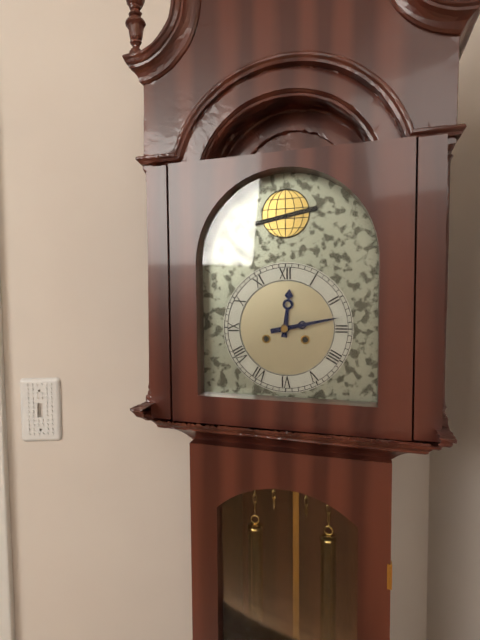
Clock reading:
12.13
